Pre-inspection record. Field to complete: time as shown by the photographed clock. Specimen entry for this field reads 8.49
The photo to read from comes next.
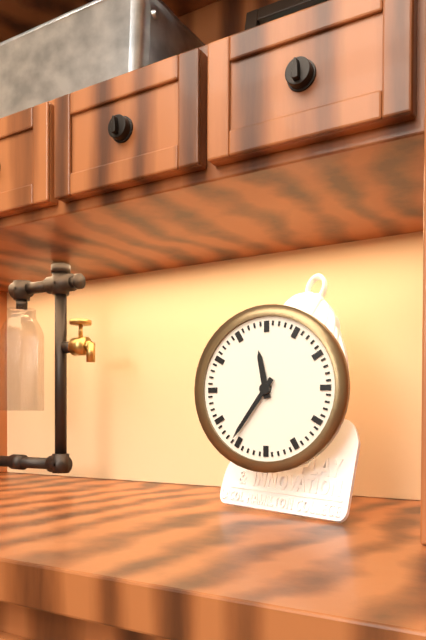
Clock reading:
11.36
